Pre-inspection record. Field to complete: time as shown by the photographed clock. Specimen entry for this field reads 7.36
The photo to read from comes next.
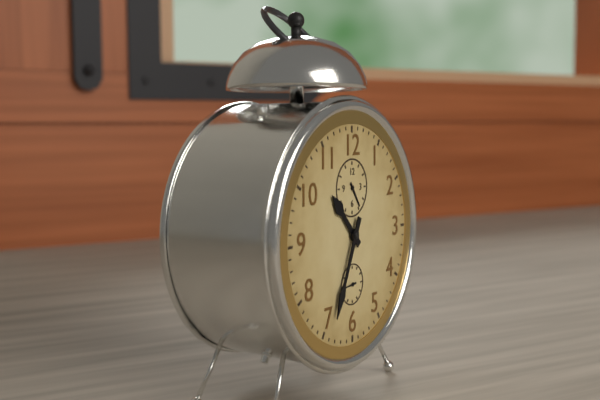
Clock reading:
10.34
